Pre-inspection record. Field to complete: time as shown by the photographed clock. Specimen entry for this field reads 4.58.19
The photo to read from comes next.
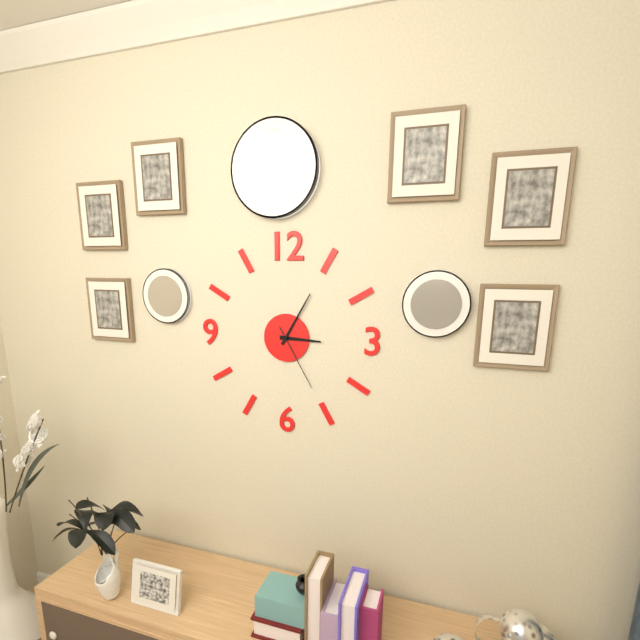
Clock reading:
3.05.25
